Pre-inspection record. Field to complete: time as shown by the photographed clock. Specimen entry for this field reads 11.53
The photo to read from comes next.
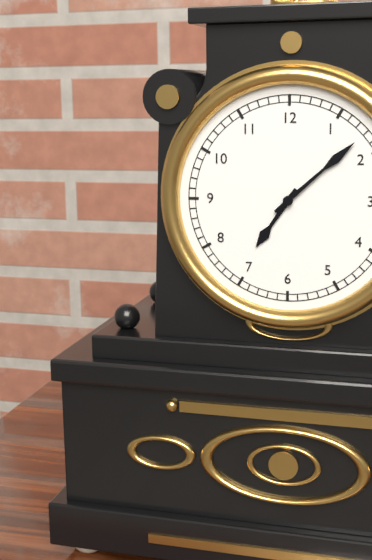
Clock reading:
7.08
